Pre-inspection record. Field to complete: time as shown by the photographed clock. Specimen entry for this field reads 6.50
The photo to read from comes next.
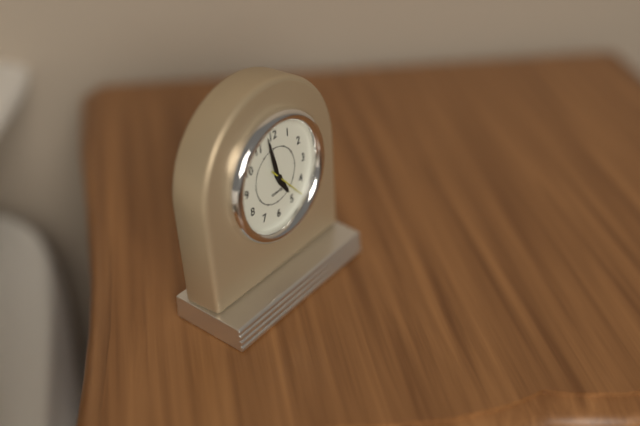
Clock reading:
4.58
